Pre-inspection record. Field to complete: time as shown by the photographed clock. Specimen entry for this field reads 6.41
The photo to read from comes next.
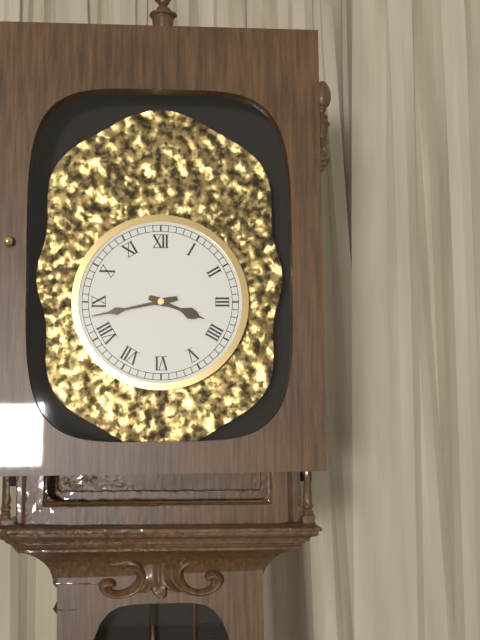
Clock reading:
3.43
